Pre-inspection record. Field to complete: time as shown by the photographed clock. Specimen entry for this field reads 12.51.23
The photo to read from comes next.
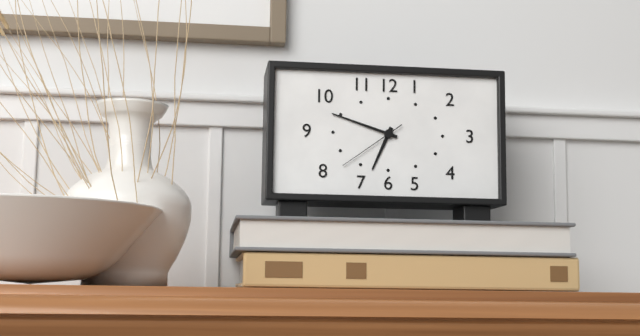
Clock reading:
6.48.39
